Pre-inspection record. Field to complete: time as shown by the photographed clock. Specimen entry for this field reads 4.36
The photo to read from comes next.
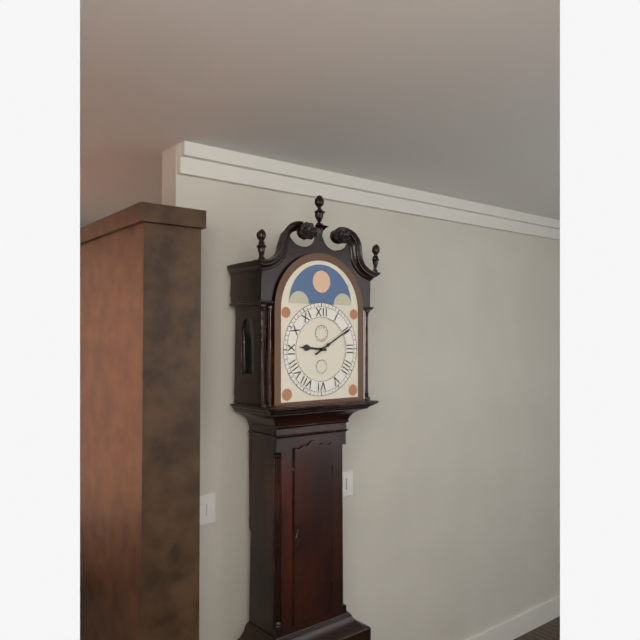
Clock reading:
9.10
